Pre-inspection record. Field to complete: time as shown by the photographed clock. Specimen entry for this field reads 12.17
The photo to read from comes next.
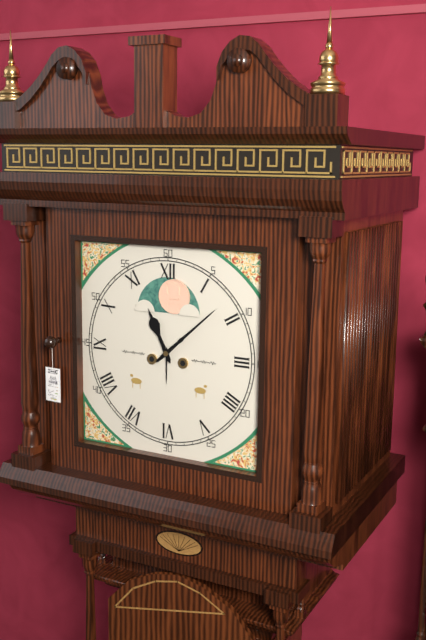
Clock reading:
11.08
